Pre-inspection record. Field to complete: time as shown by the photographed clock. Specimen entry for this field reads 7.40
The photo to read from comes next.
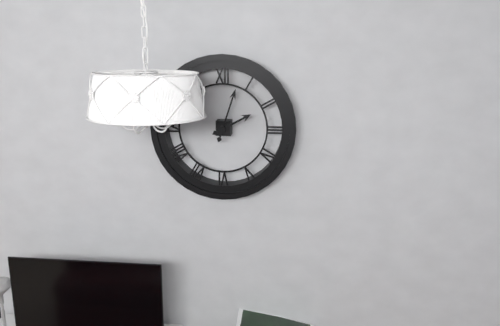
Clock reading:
2.03
